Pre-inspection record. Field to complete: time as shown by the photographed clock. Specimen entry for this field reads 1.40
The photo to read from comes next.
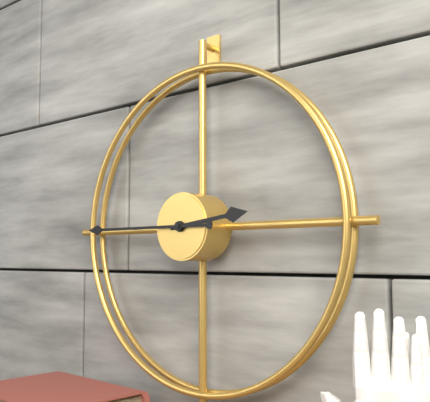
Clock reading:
2.45
